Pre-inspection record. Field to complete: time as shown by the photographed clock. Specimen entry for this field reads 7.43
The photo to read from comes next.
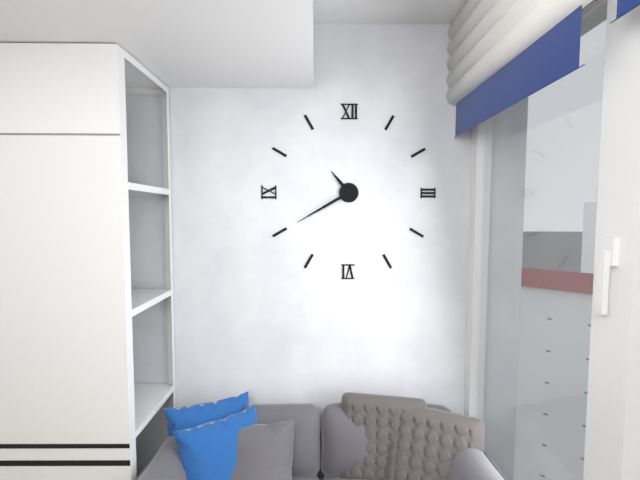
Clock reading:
10.40
